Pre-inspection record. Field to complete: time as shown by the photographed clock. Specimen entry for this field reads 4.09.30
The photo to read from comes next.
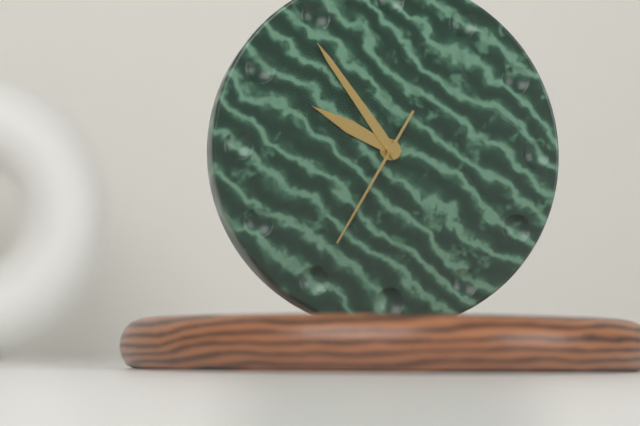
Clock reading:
9.54.35
